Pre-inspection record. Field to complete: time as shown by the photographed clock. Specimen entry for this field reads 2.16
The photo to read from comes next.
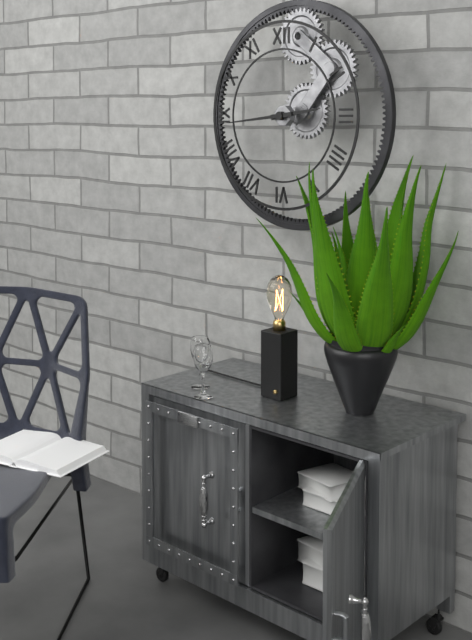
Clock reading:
2.44
